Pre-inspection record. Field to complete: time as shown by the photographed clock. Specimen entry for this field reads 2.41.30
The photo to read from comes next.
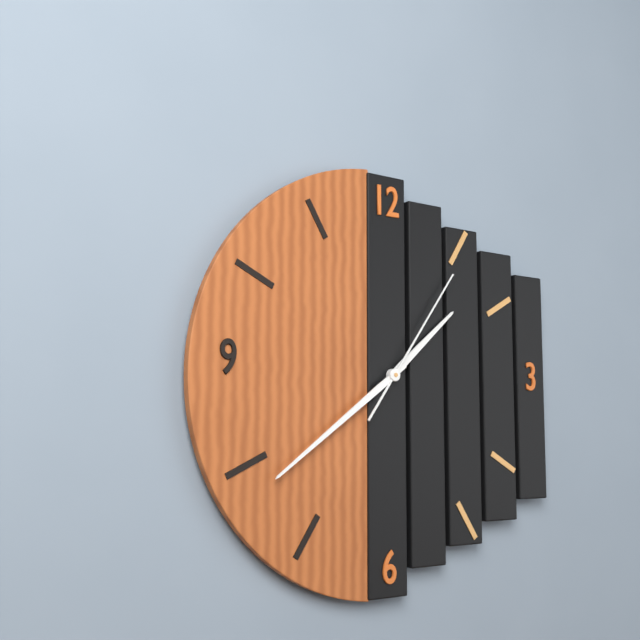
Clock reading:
1.39.06
